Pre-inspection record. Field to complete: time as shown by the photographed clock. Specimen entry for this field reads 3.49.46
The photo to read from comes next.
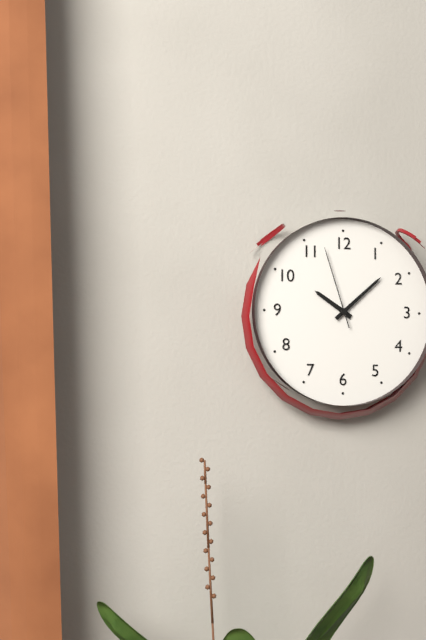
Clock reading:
10.08.57
